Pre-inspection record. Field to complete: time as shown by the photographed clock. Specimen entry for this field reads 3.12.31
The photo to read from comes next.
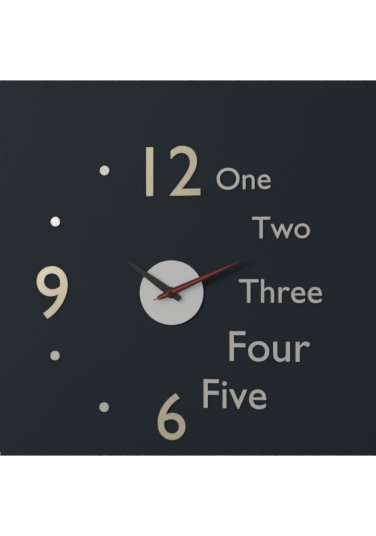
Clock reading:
10.11.11
